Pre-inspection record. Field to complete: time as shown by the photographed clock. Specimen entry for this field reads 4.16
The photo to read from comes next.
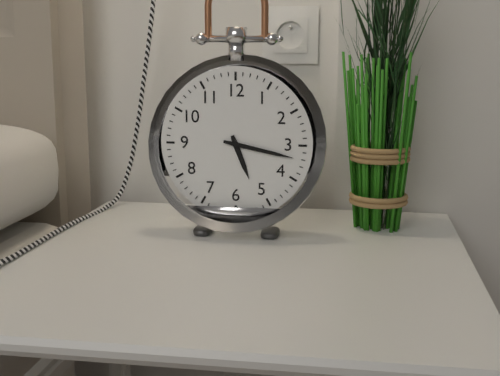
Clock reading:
5.17
